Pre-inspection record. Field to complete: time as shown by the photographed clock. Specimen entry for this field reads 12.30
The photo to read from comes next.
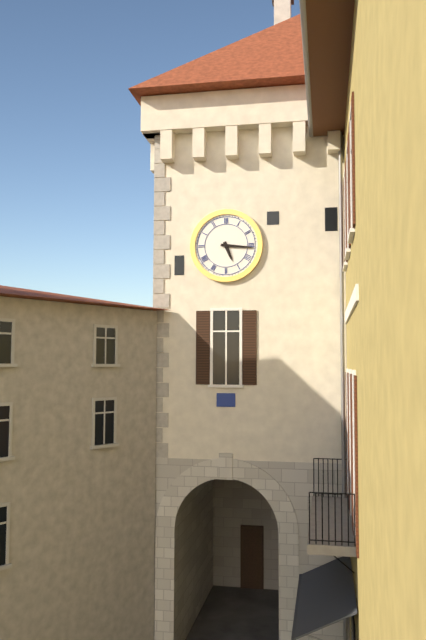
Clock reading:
5.16
